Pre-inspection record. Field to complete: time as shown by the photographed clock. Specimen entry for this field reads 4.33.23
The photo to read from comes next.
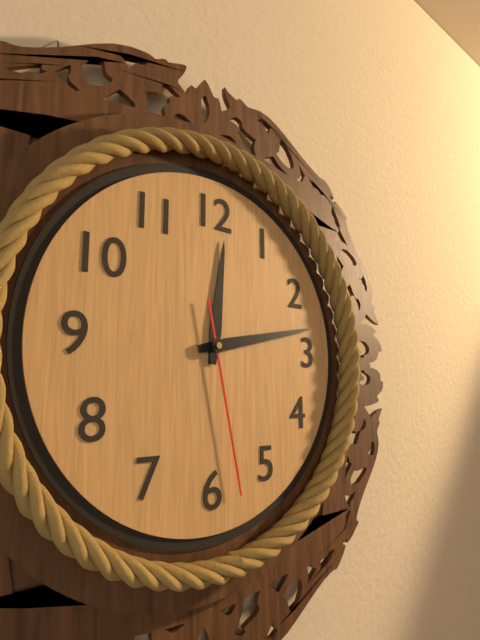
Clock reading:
12.13.28
